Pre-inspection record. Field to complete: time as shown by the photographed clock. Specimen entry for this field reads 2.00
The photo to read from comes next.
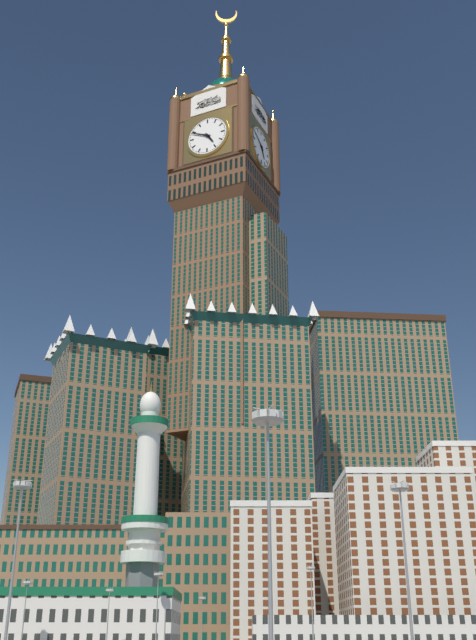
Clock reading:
4.49
